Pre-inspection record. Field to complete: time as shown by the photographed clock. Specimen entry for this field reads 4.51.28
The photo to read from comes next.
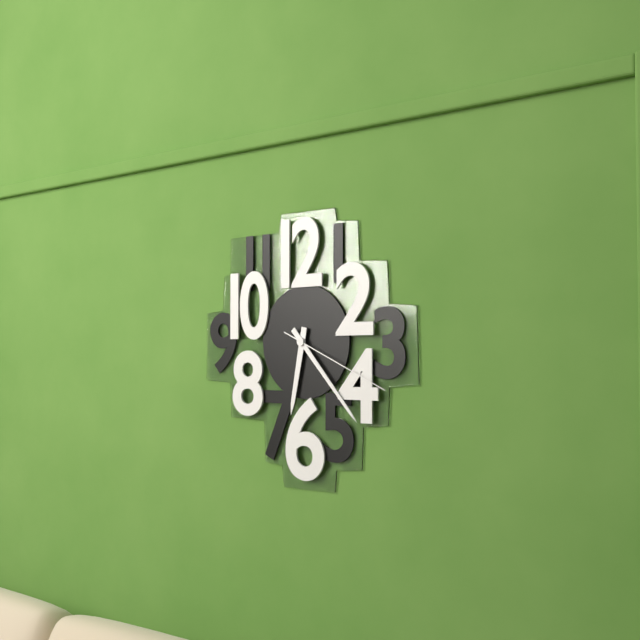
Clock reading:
6.23.19
